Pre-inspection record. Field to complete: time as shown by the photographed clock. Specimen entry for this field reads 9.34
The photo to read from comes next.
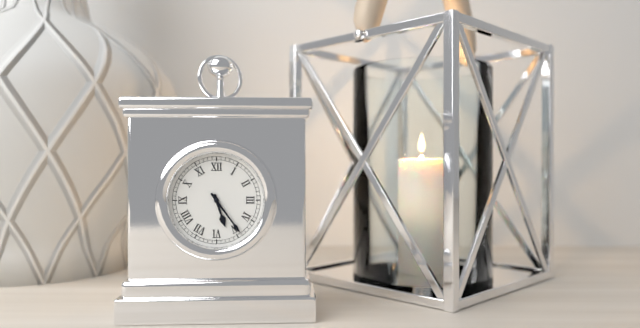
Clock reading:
5.24
